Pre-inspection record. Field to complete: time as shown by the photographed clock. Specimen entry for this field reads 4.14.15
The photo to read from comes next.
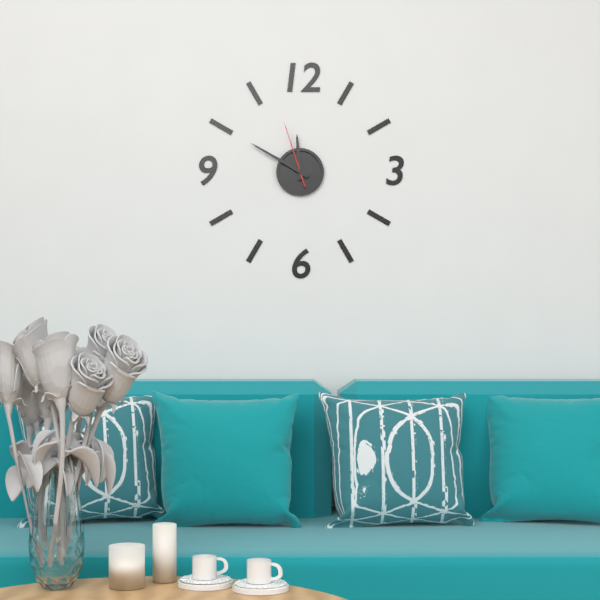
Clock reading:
11.50.57
